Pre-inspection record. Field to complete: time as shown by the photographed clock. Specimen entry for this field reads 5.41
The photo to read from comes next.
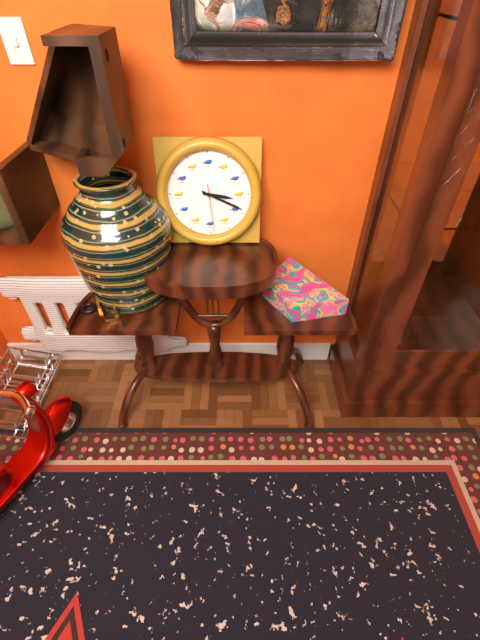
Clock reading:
3.19
